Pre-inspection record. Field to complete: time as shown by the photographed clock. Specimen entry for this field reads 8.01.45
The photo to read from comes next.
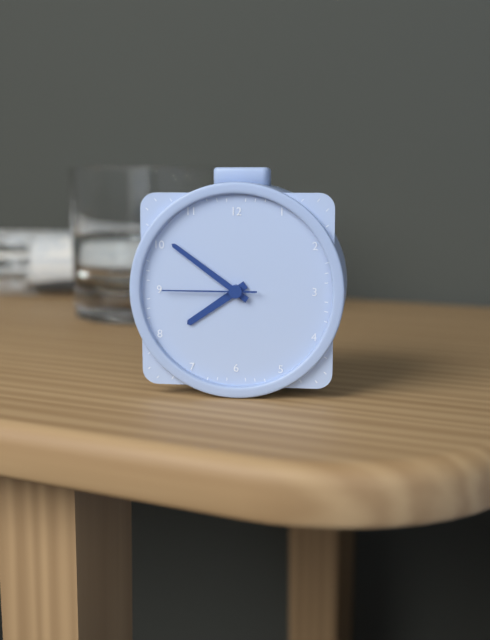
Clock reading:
7.51.45
